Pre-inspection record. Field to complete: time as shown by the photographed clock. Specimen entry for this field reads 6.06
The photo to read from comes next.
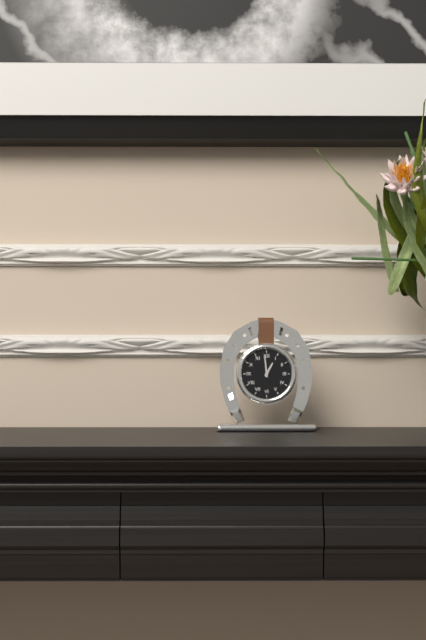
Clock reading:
12.59
